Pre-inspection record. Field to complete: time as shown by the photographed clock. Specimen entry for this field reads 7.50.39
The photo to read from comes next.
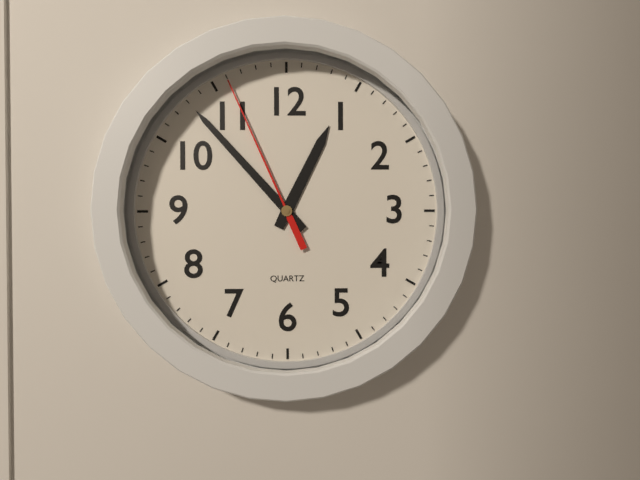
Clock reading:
12.53.56
